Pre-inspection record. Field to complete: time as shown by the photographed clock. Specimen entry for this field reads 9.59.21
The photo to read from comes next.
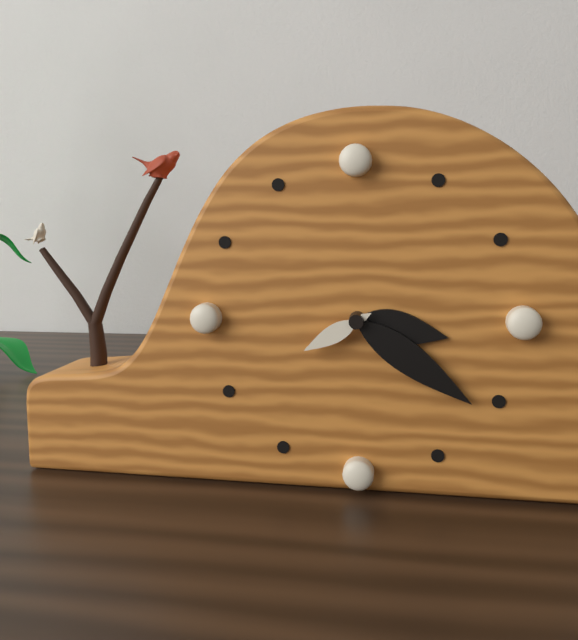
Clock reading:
3.21.40
